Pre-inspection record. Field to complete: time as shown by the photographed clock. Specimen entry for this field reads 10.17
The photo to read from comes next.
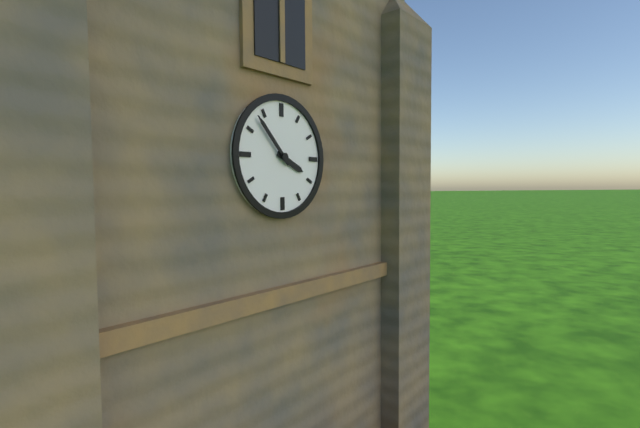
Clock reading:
3.53
